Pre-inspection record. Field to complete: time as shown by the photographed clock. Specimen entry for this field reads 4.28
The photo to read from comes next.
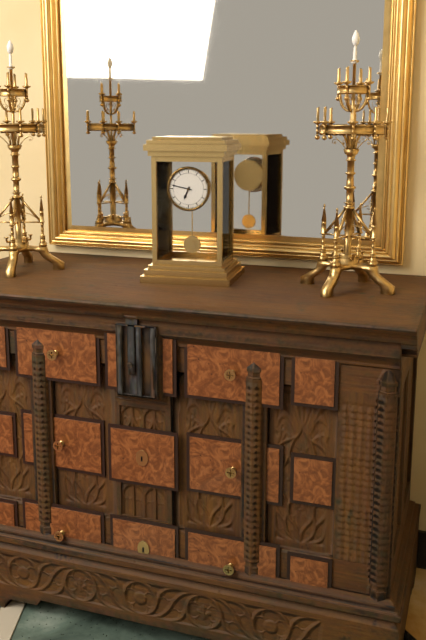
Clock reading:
6.47
